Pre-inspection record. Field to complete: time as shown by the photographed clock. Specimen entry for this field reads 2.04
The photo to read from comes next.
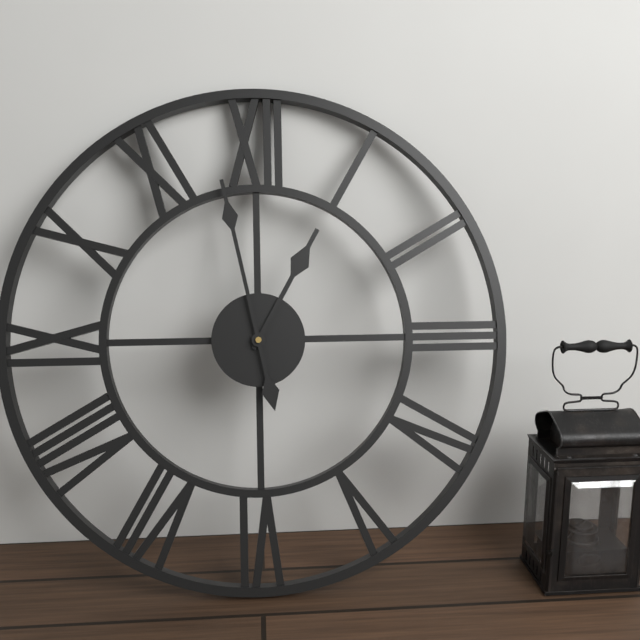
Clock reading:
12.58
